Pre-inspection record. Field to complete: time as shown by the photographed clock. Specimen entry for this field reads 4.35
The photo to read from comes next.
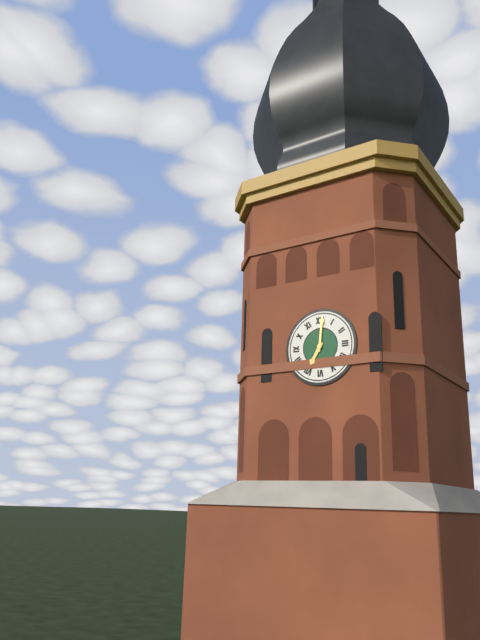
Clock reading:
7.01
